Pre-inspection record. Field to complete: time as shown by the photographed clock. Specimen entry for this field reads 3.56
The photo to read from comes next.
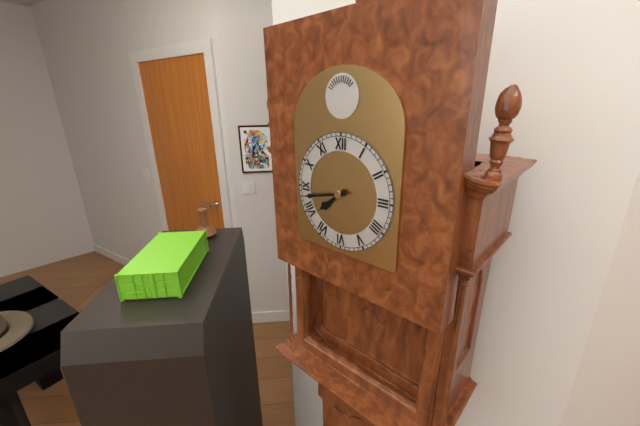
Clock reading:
7.43
